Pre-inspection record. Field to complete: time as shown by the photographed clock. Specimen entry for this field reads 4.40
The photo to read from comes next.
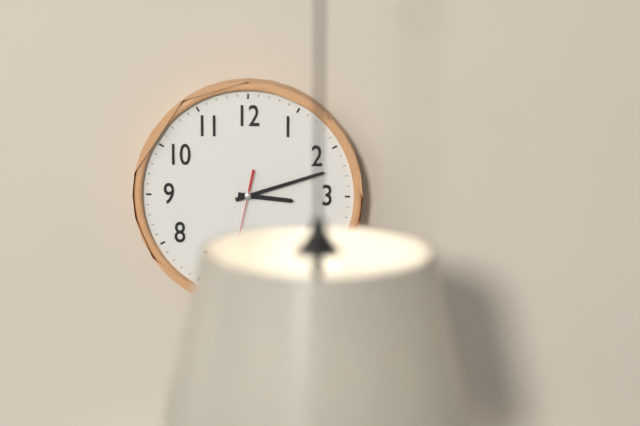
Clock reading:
3.12
